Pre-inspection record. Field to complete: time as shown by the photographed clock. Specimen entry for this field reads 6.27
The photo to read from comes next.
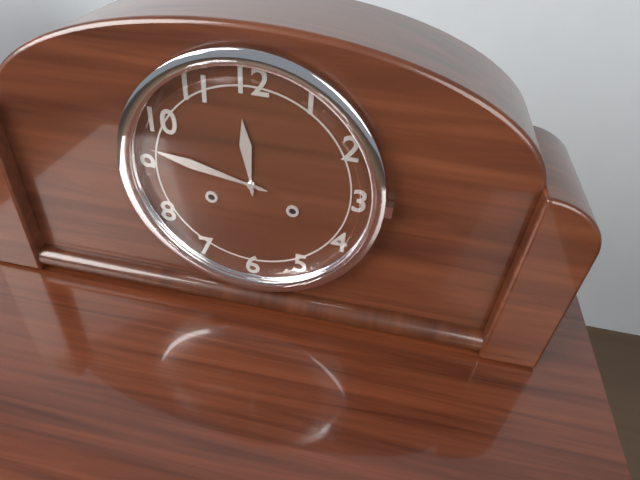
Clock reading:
11.47
